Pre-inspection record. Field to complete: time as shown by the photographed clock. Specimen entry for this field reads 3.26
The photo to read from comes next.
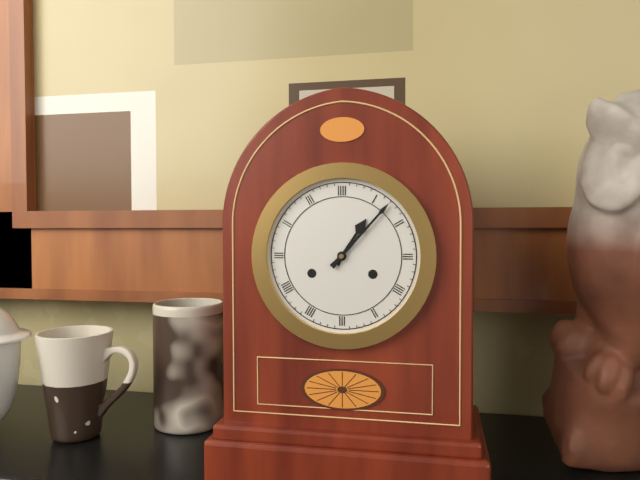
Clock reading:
1.07
